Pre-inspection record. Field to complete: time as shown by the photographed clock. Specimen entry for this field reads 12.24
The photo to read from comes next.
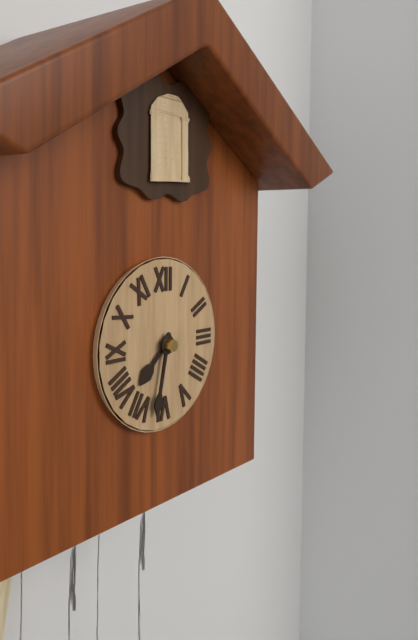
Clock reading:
7.32
